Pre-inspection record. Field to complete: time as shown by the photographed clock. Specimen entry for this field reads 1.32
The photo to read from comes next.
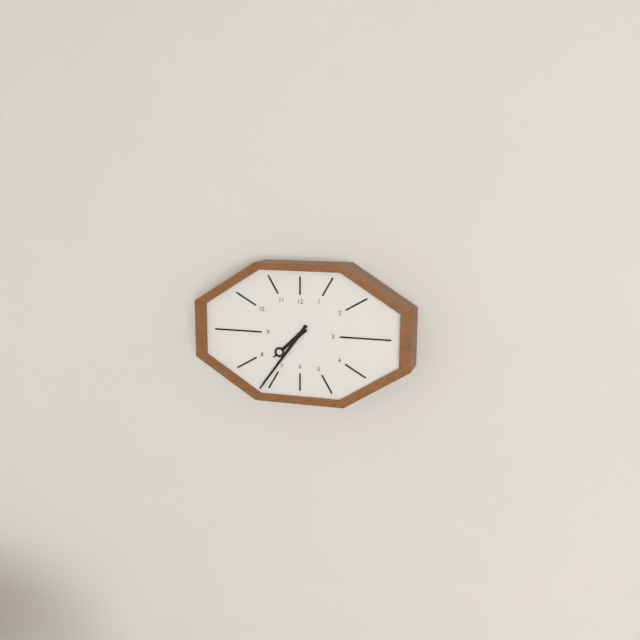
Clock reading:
7.36
